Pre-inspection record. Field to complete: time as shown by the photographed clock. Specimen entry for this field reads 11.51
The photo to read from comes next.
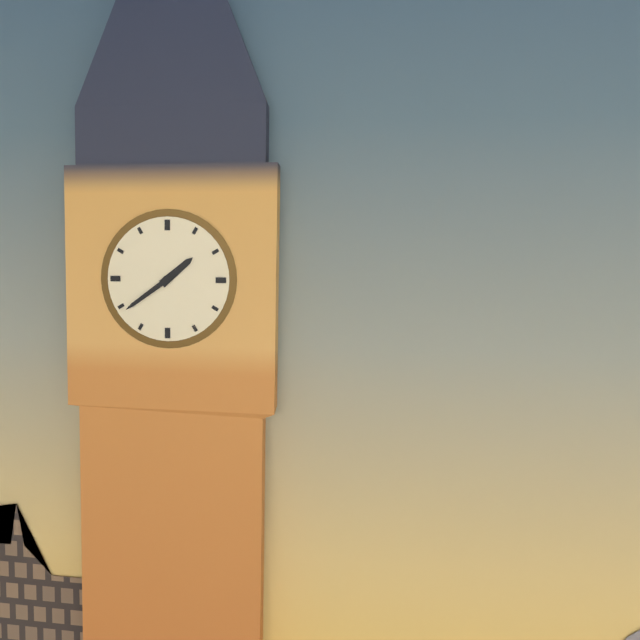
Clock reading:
1.39
